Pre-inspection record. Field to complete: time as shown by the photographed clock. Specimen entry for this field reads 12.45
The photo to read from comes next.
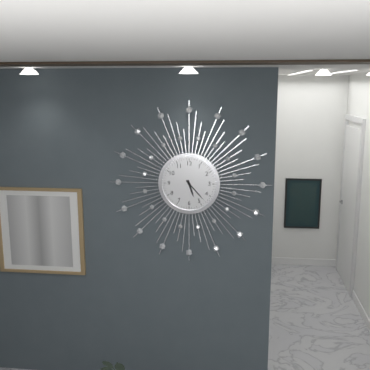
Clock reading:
5.23
